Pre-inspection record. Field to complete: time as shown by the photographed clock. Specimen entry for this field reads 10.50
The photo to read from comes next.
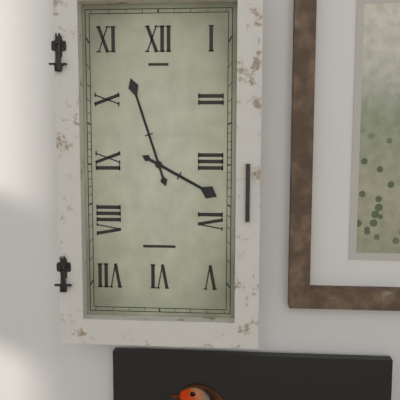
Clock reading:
3.57
